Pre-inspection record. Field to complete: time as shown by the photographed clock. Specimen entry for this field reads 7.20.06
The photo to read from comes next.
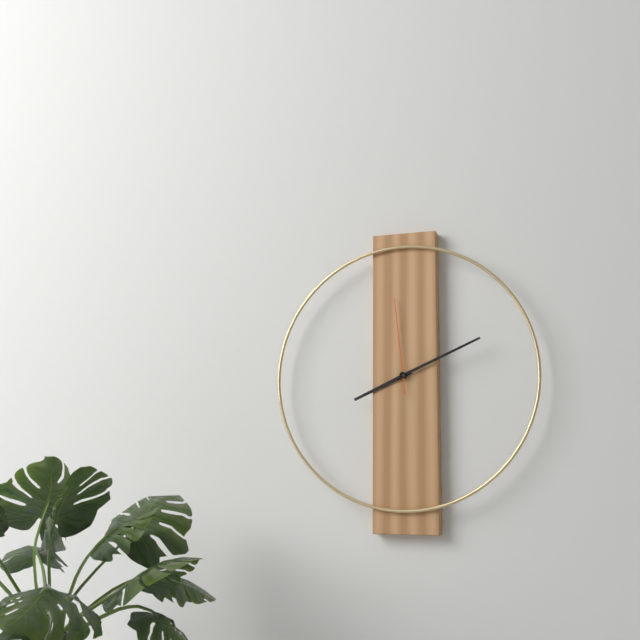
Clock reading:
8.11.59
